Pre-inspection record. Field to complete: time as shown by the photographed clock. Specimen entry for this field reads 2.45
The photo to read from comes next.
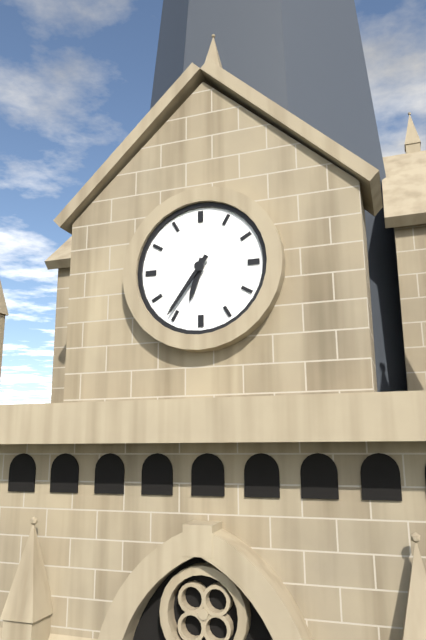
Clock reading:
6.36
